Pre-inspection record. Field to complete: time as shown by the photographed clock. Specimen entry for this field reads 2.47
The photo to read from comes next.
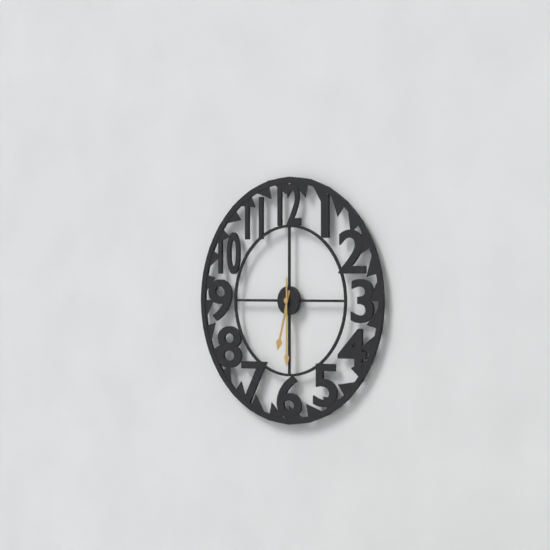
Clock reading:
6.30
